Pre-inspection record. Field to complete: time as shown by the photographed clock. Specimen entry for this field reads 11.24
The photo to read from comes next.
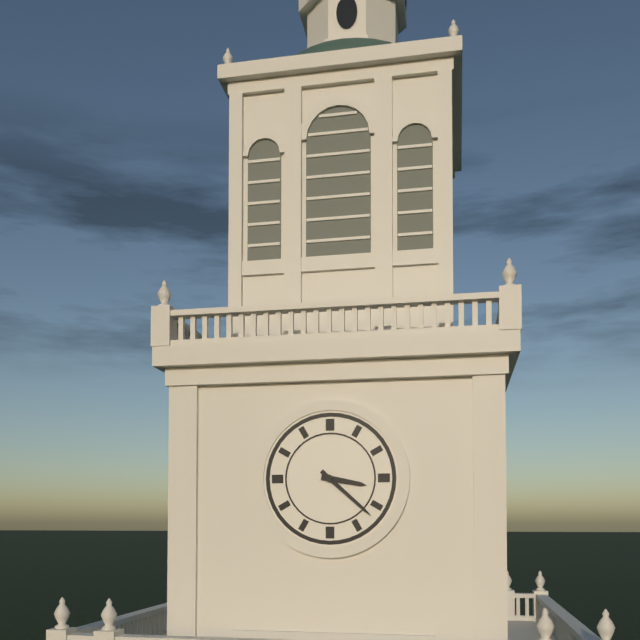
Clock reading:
3.22
